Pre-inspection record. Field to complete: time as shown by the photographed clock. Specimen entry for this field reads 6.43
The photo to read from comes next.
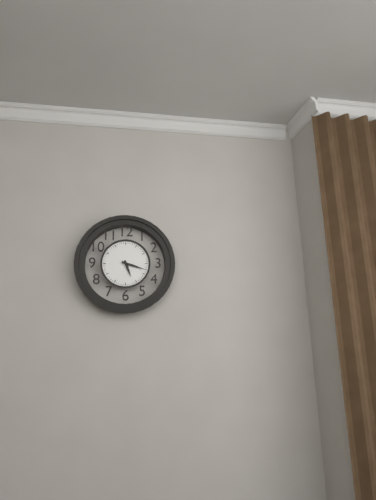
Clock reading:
5.18
